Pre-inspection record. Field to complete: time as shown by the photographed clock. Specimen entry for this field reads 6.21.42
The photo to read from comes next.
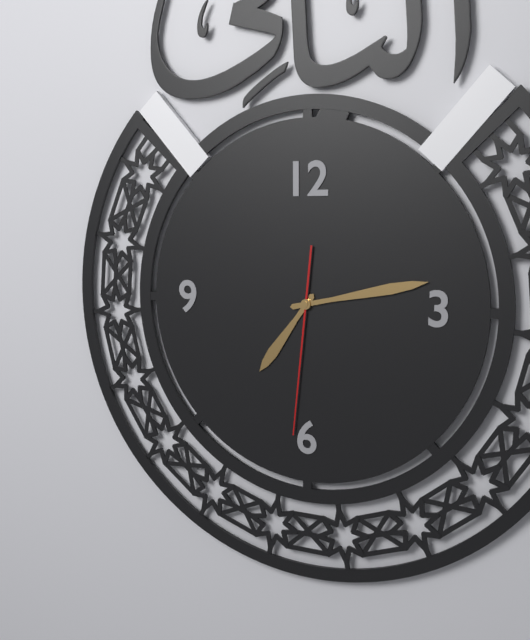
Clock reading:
7.13.31
